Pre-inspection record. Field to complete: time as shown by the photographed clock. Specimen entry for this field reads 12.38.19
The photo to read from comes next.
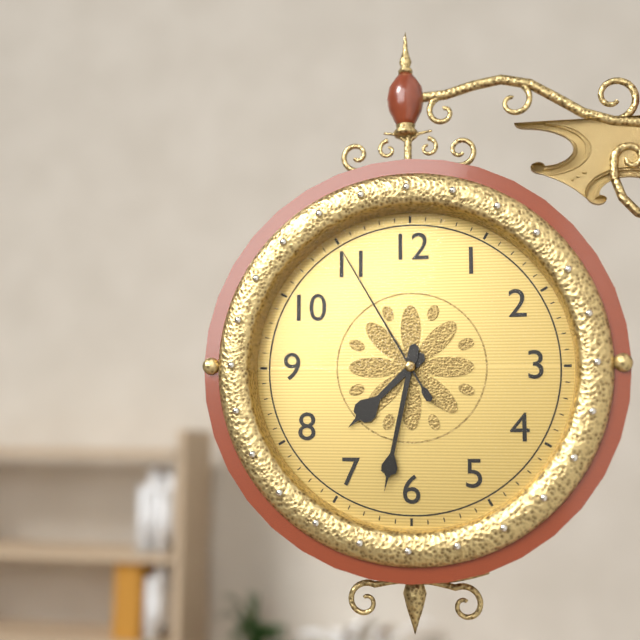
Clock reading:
7.32.55
